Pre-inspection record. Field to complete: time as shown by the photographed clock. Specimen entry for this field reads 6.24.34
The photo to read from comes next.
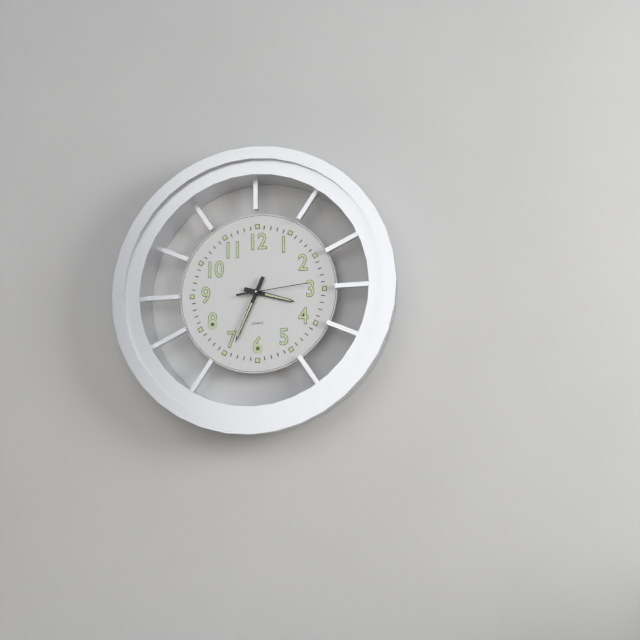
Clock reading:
3.34.14
